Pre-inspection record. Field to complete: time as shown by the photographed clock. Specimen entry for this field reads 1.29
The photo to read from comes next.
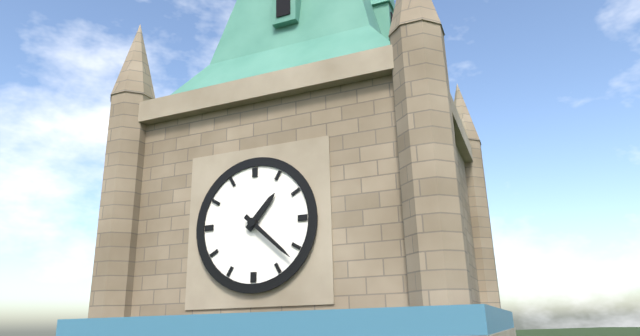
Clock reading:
1.22
